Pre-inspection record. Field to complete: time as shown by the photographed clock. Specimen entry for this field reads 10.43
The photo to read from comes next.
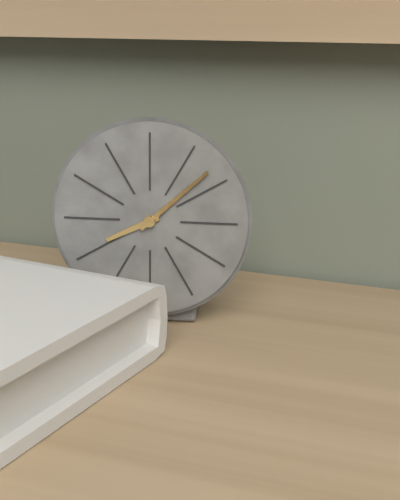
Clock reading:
8.08
